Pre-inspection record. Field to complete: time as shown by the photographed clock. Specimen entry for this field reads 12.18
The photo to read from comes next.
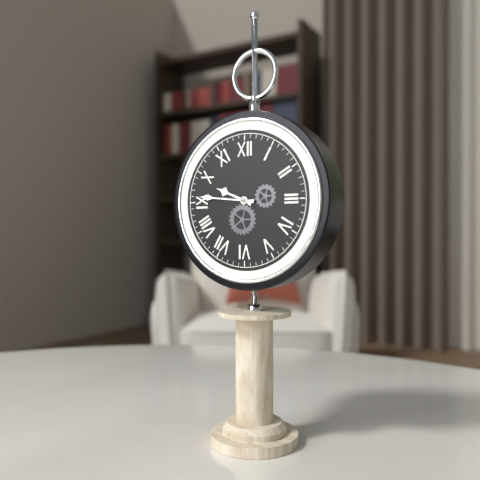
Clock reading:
9.46
